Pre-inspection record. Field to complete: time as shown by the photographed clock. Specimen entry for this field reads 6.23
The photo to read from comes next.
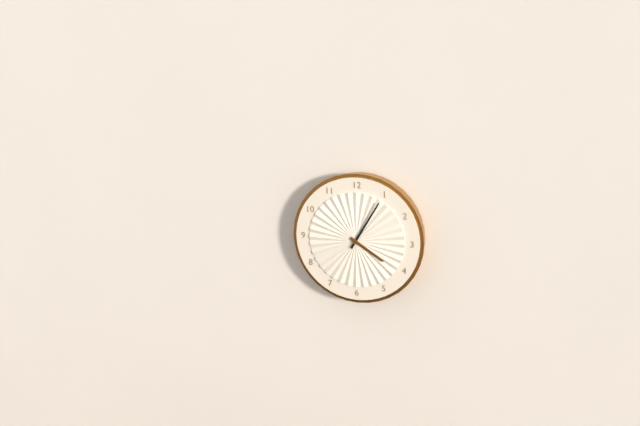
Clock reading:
4.05
